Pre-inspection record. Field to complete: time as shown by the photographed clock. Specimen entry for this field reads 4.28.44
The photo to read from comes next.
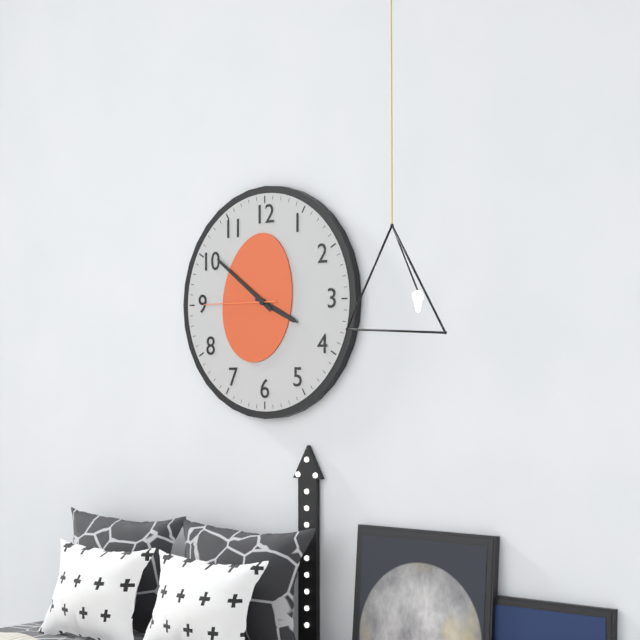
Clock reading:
3.51.45
